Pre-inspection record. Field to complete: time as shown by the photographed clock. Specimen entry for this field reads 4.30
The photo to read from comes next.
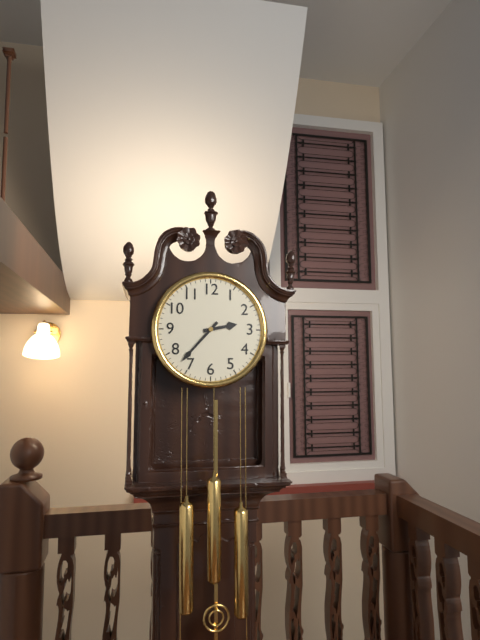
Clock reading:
2.37
